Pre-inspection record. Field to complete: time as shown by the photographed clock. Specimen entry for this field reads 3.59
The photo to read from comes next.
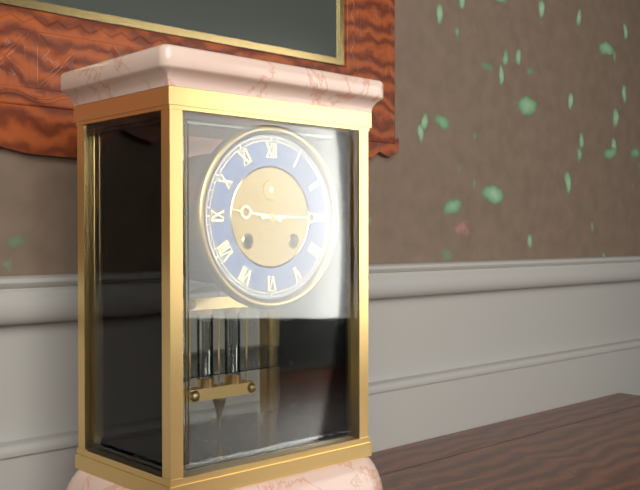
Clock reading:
9.15
